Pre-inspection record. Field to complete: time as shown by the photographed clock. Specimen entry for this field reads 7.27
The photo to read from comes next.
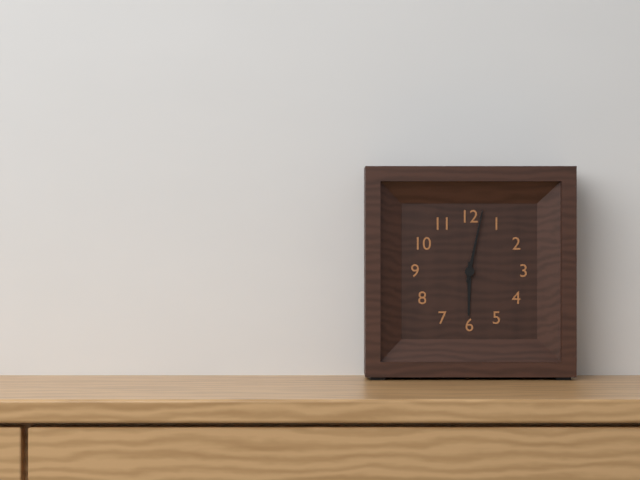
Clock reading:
6.02
